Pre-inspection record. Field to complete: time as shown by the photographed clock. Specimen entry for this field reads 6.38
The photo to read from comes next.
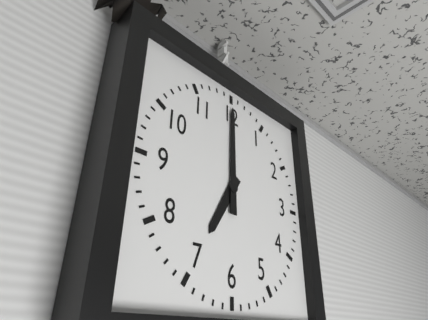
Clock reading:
7.00
